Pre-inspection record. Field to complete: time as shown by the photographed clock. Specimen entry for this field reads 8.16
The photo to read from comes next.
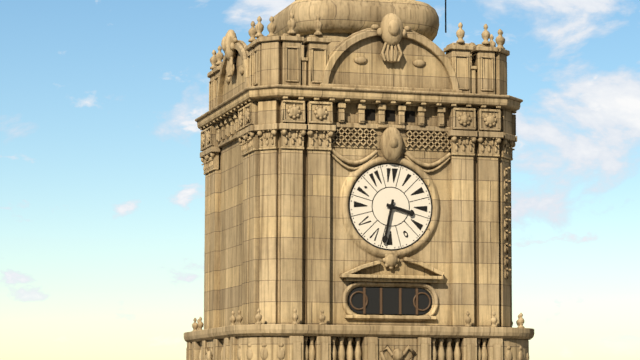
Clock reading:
3.32
